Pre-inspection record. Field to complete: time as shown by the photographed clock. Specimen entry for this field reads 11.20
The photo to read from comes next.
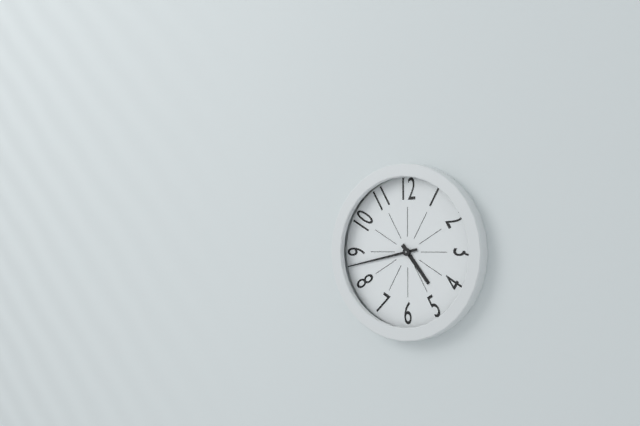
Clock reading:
4.43
